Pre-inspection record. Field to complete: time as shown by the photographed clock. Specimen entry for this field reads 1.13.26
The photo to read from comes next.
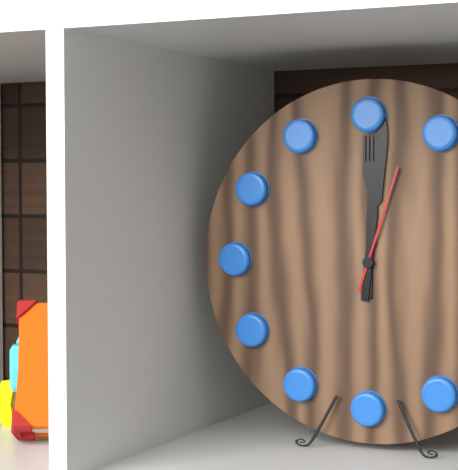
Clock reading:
12.01.03
